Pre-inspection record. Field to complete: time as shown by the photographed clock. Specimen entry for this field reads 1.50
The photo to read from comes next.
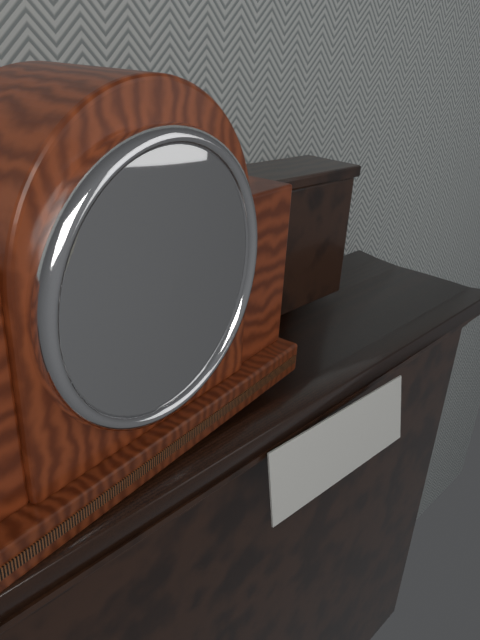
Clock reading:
6.44
